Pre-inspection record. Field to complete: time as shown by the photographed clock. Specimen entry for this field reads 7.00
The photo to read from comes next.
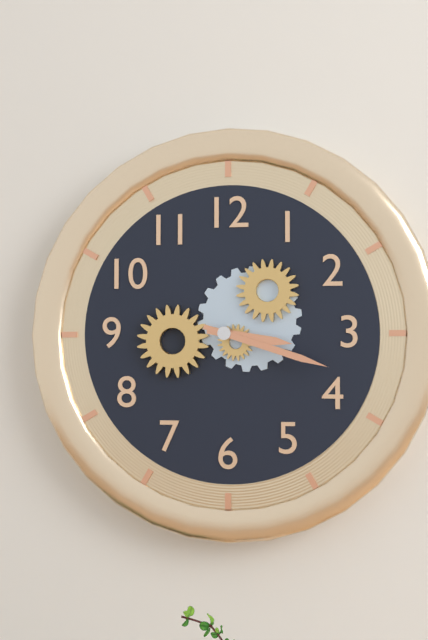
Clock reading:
3.18
